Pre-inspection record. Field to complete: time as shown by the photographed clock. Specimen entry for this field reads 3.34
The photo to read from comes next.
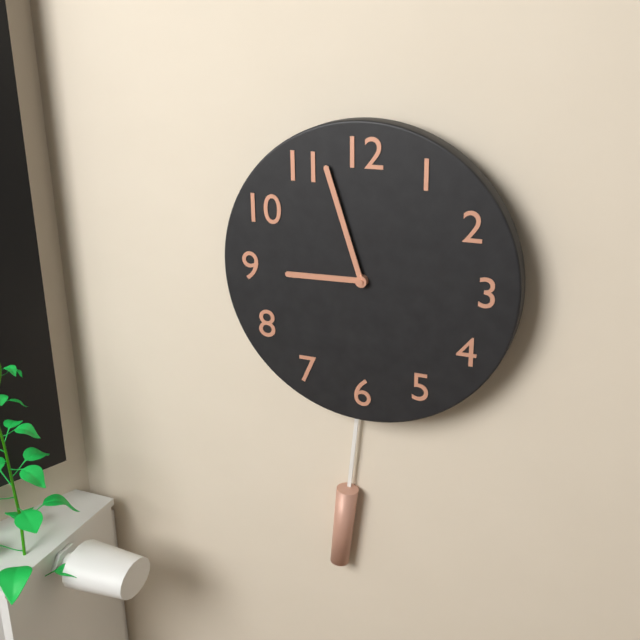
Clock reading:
8.57
